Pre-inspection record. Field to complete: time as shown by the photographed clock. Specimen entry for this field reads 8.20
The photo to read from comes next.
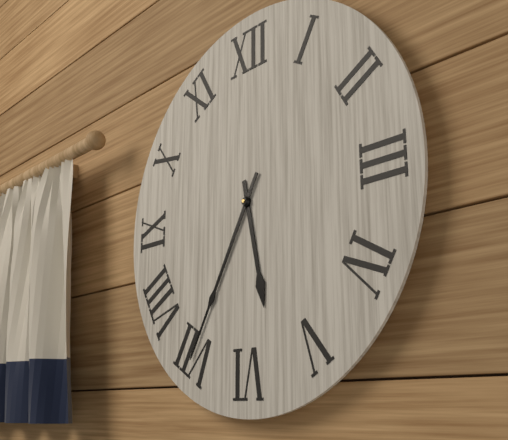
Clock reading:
5.35
